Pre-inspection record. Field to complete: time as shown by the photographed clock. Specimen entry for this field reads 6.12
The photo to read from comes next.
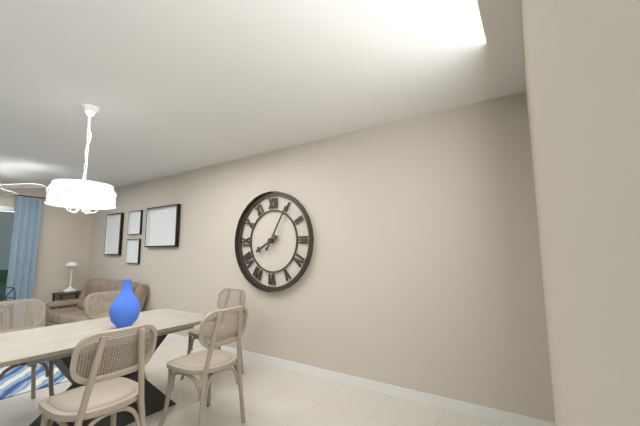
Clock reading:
8.05
